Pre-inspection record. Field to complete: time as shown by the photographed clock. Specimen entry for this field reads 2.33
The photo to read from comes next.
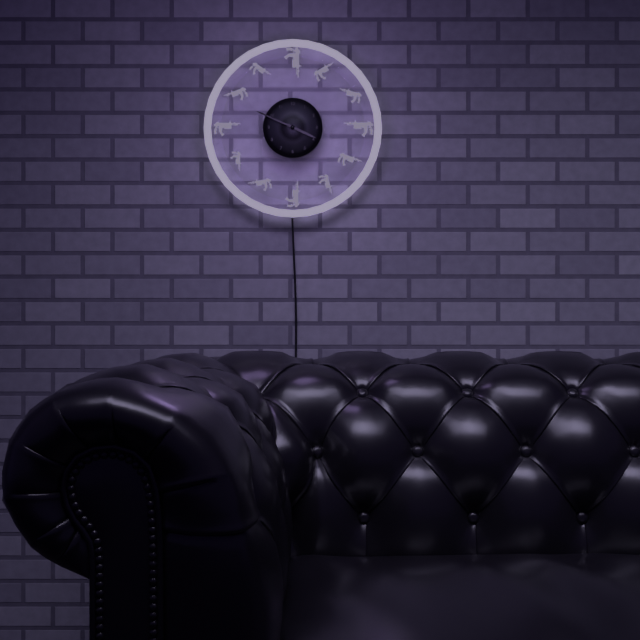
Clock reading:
3.49
